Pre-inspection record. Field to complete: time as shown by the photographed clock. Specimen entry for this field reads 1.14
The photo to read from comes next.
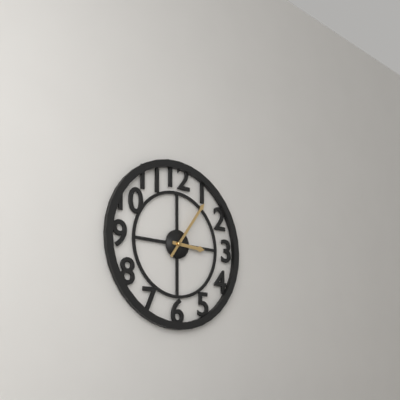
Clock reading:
3.06
